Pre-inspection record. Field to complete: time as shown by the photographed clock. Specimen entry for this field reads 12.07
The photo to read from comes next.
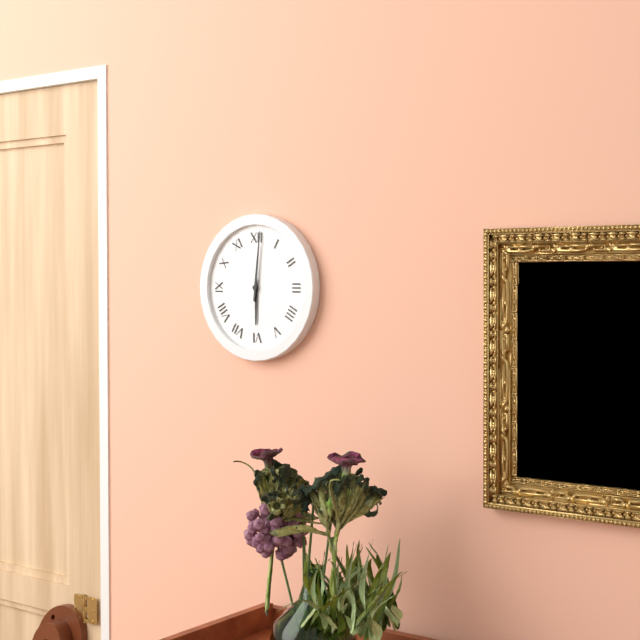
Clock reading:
6.01
